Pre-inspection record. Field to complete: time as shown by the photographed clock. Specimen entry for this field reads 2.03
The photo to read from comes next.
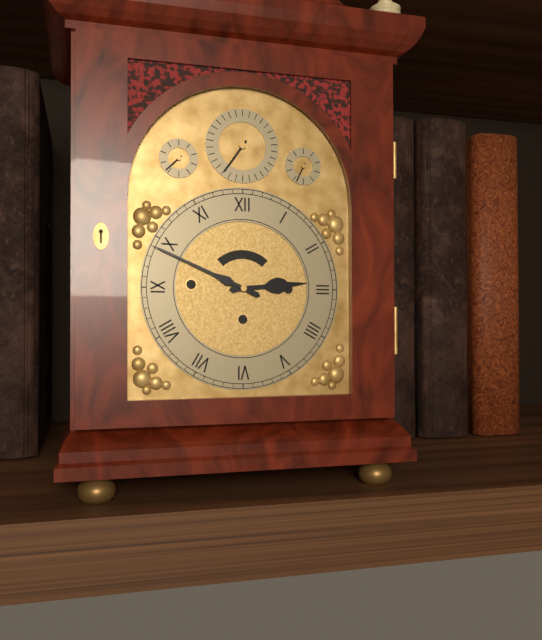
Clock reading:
2.49
